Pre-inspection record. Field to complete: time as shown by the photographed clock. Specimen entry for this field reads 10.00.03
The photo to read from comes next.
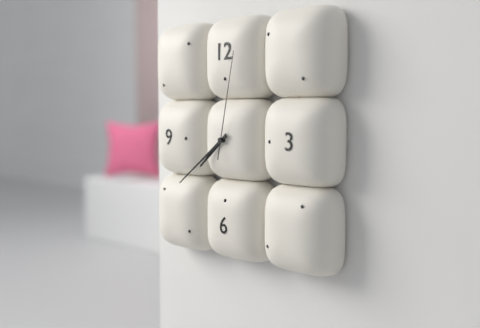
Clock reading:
7.39.02
